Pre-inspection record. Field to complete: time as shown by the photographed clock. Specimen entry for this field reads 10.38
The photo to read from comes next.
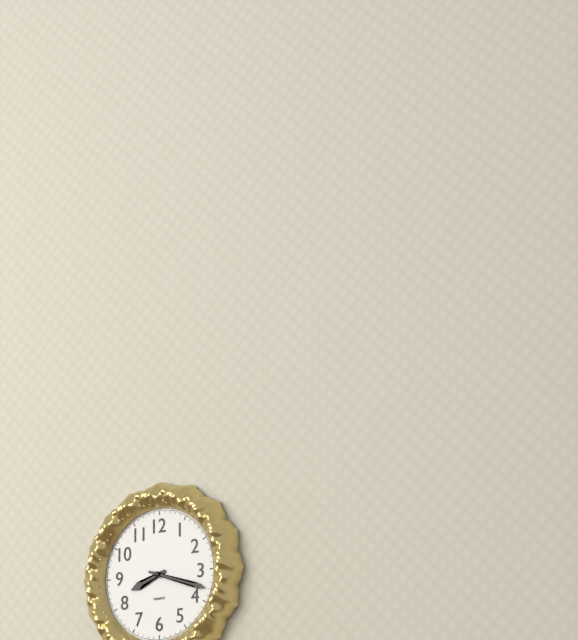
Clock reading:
8.18
